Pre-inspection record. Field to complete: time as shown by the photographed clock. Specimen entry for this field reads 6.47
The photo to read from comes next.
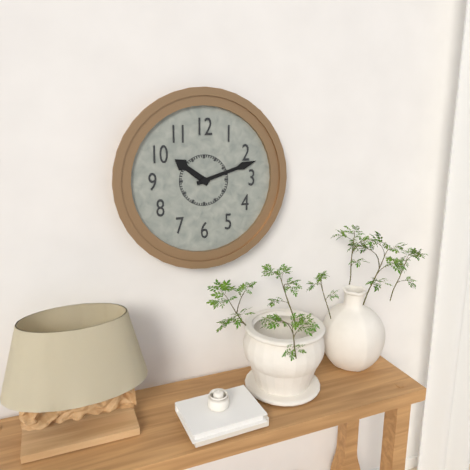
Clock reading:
10.12
